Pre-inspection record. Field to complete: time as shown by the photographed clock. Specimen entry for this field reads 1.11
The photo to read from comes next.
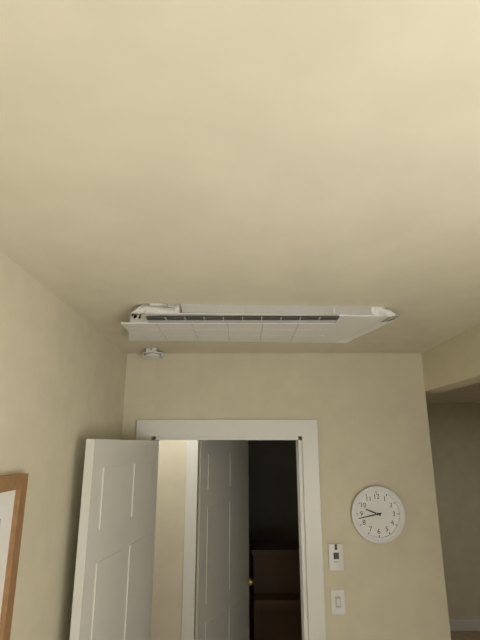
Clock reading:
9.43
